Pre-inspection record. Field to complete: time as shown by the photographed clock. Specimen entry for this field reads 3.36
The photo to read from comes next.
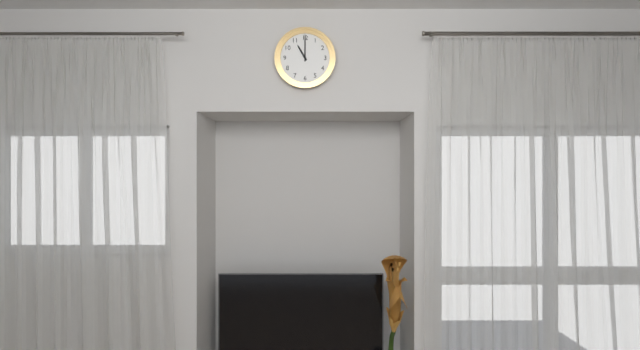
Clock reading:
11.00
